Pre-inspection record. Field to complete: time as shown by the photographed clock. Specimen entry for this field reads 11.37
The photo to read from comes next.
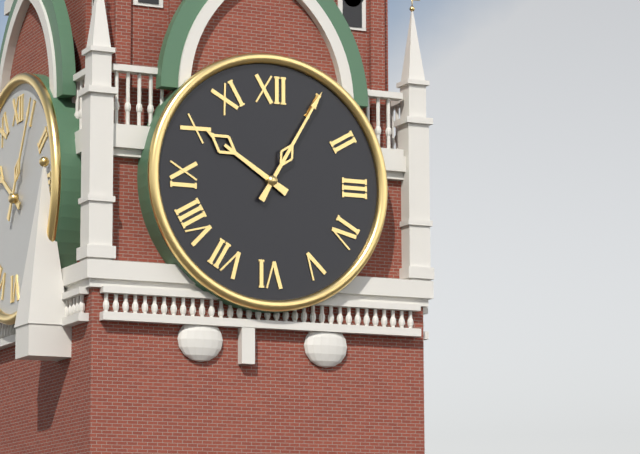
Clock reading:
10.05
